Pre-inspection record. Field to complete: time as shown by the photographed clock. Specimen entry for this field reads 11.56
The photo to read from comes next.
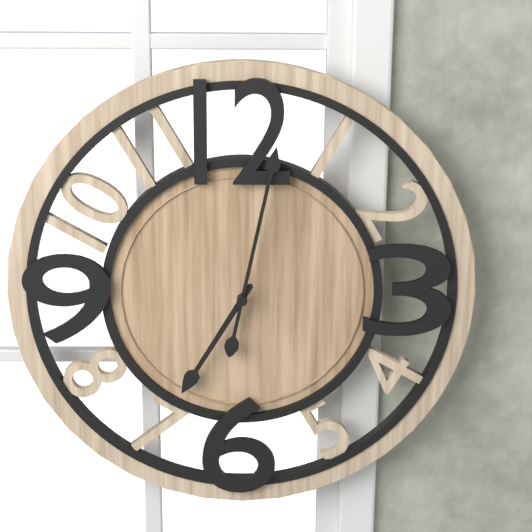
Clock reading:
7.02
